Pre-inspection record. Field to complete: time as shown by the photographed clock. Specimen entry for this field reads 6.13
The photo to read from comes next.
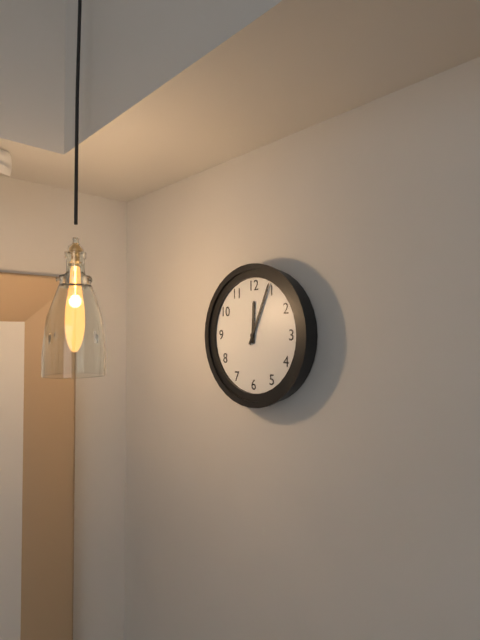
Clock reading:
12.04
